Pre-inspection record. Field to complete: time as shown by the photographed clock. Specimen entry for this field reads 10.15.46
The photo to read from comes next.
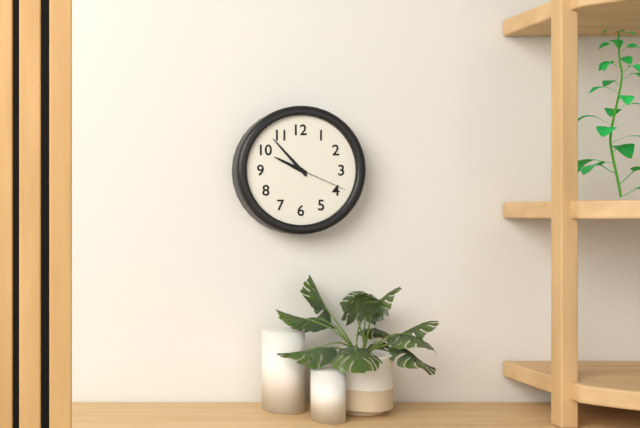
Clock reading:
9.53.19
